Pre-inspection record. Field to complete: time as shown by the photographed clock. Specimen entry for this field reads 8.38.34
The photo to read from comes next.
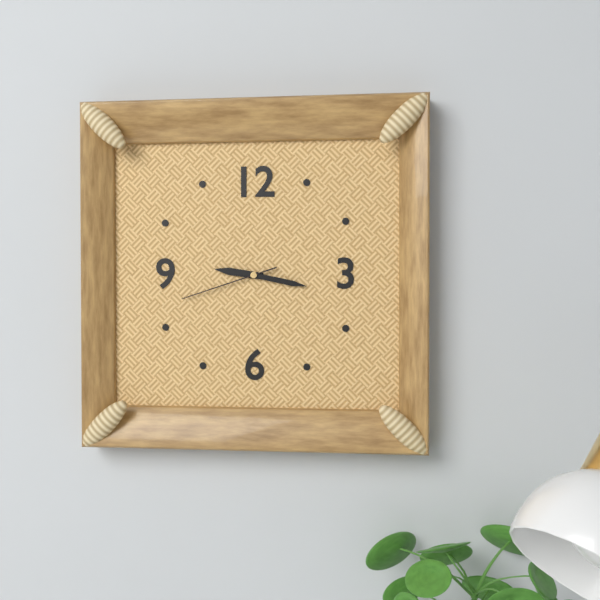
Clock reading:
9.17.42
